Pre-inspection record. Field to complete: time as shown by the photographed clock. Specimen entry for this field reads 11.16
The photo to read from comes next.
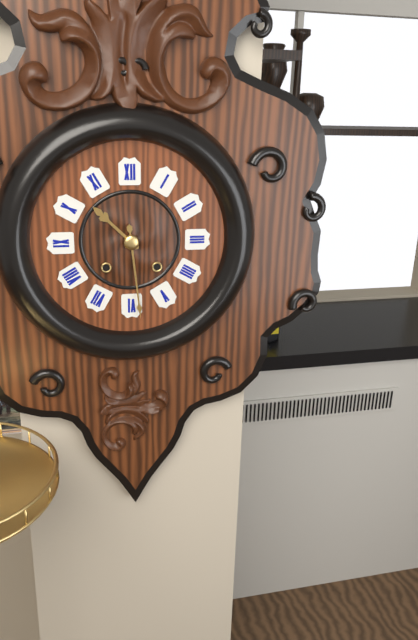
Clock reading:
10.29
